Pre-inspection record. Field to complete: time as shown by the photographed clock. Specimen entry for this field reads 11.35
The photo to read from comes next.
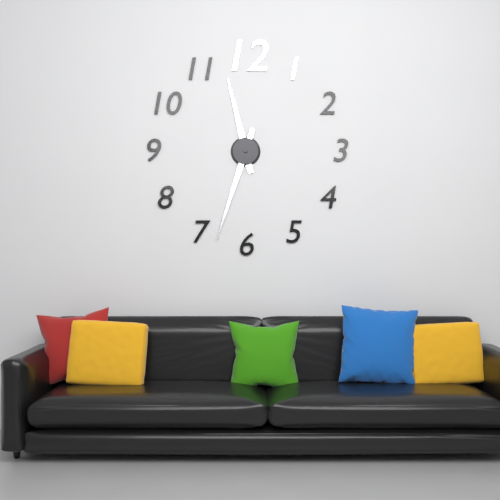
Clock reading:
11.33
